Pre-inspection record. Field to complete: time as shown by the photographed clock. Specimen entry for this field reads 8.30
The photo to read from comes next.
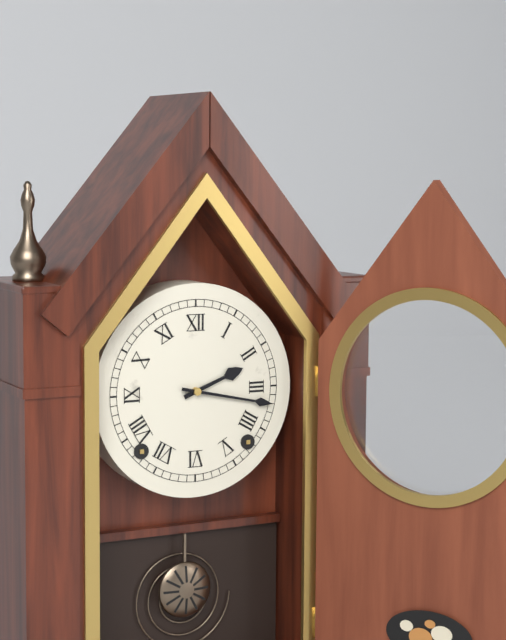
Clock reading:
2.17
